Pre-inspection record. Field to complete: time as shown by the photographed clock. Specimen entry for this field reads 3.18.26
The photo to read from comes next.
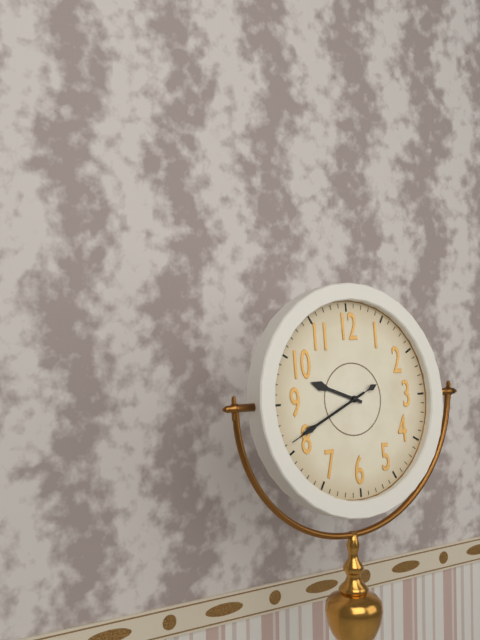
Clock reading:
9.41.41
